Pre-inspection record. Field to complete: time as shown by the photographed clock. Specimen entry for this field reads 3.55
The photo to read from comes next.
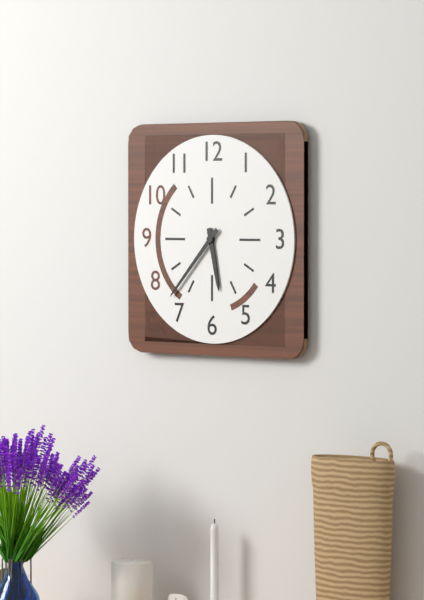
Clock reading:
5.37
